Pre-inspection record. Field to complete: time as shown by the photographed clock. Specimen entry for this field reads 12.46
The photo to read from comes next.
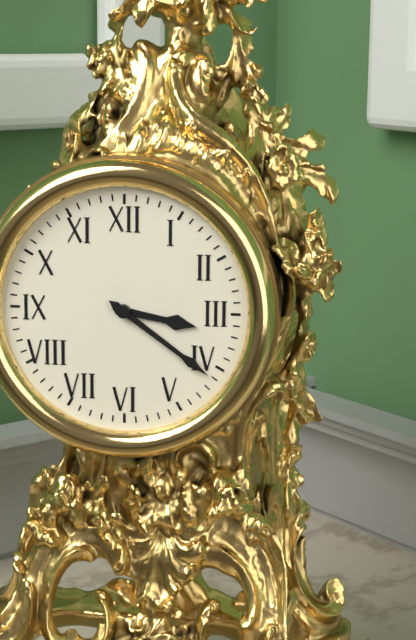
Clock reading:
3.21
